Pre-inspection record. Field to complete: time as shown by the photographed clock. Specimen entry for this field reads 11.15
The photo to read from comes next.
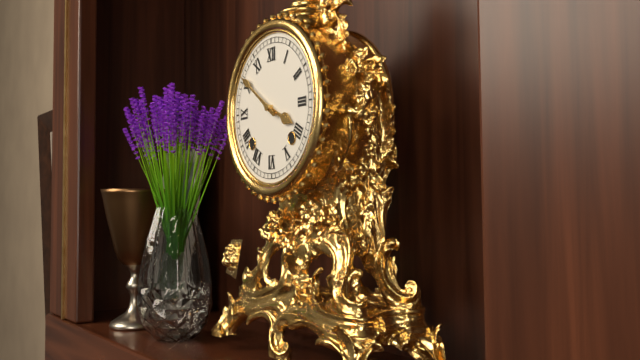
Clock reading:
3.51
